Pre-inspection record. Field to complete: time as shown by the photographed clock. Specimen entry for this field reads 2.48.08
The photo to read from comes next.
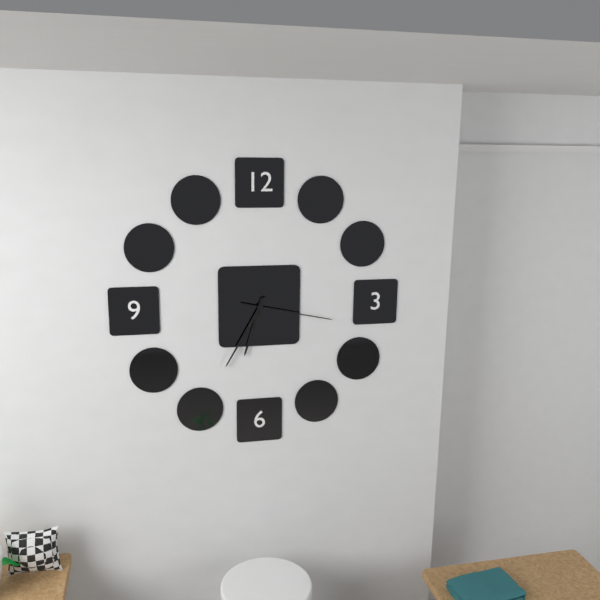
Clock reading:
6.35.17
